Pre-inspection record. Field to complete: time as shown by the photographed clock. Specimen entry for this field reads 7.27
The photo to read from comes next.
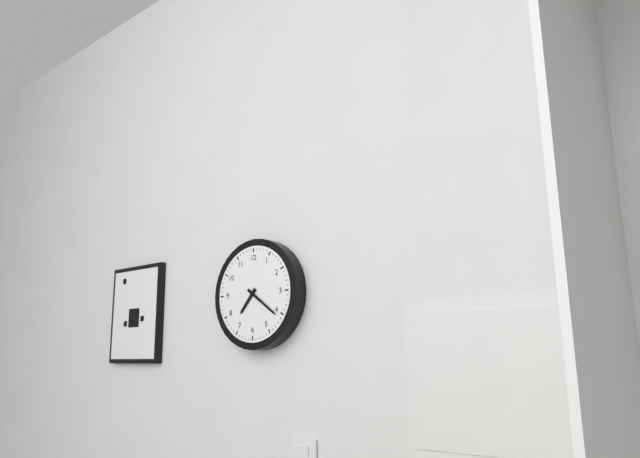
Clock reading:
7.21
